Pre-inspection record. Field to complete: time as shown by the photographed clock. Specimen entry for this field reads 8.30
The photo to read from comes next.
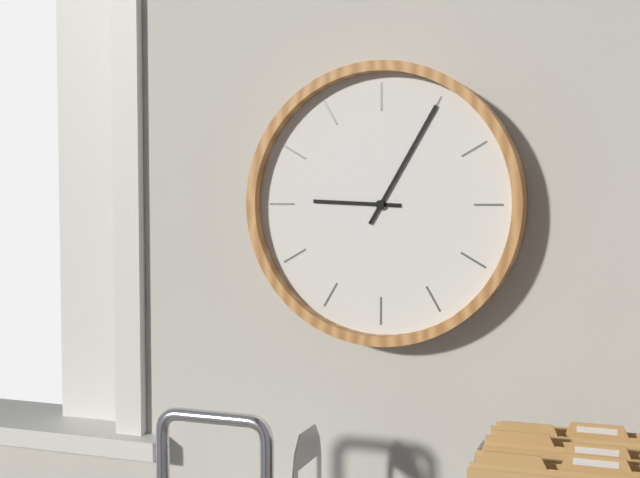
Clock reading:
9.05
